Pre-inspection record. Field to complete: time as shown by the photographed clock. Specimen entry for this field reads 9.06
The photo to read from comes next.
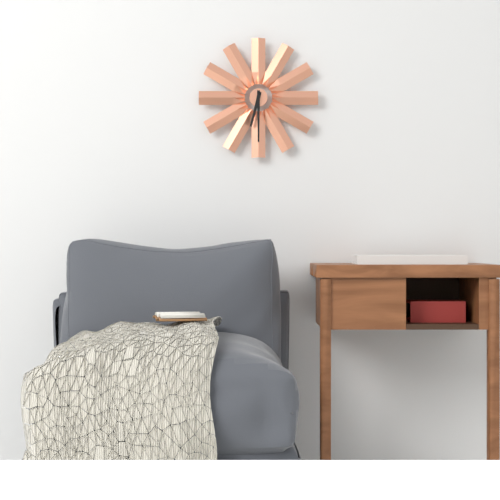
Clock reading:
6.30
